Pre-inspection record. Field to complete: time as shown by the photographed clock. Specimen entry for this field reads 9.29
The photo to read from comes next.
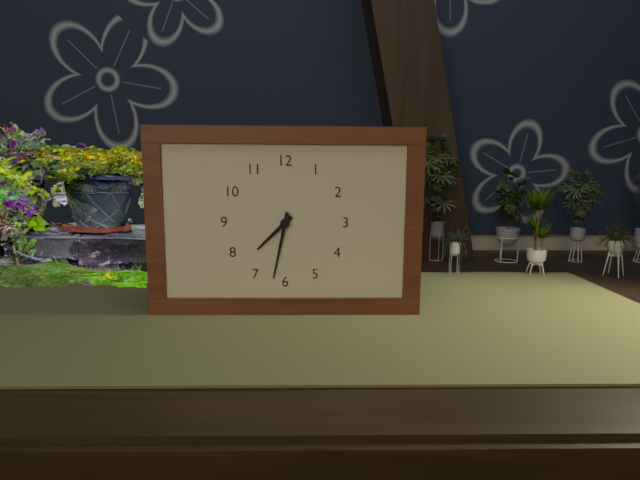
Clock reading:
7.32
